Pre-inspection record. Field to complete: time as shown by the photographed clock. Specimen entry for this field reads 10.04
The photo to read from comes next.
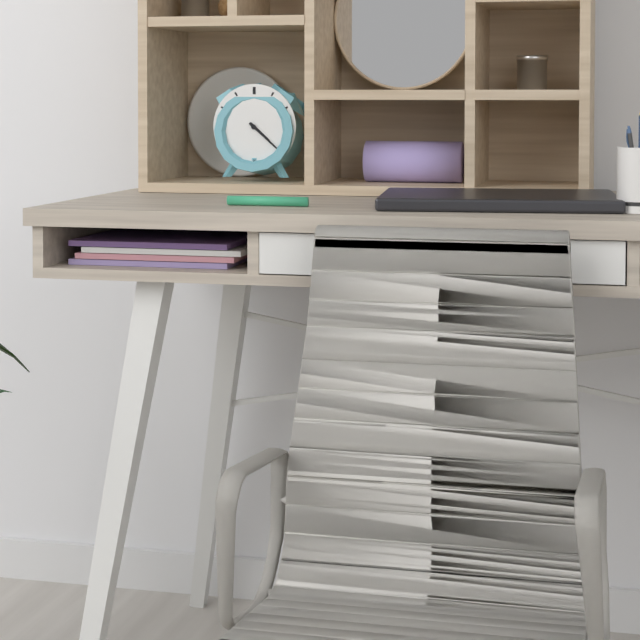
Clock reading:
4.22
